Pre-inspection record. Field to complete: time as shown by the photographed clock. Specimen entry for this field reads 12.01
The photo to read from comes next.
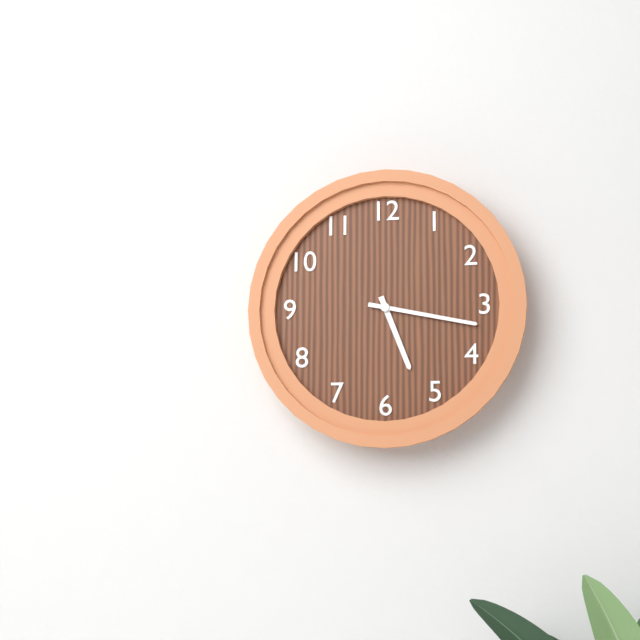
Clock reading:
5.17
